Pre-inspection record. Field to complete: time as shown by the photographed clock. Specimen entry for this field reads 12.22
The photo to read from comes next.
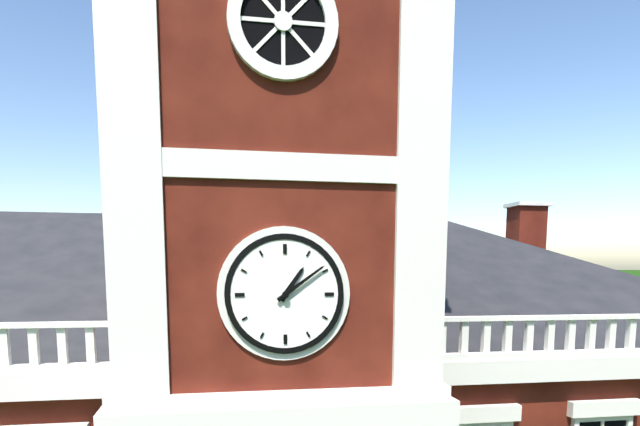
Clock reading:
1.09
